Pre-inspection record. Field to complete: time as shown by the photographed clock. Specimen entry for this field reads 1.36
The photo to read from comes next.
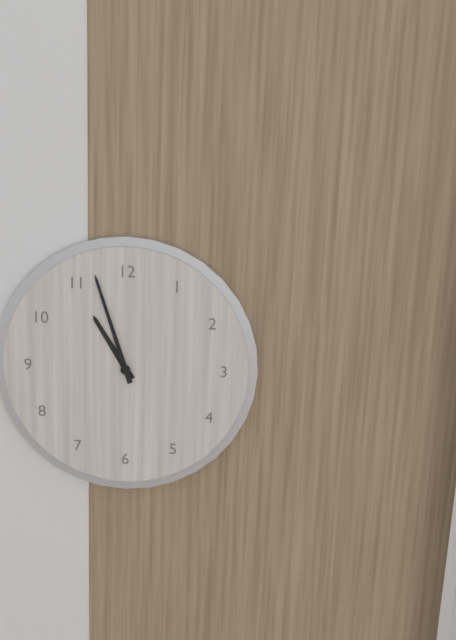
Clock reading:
10.57
